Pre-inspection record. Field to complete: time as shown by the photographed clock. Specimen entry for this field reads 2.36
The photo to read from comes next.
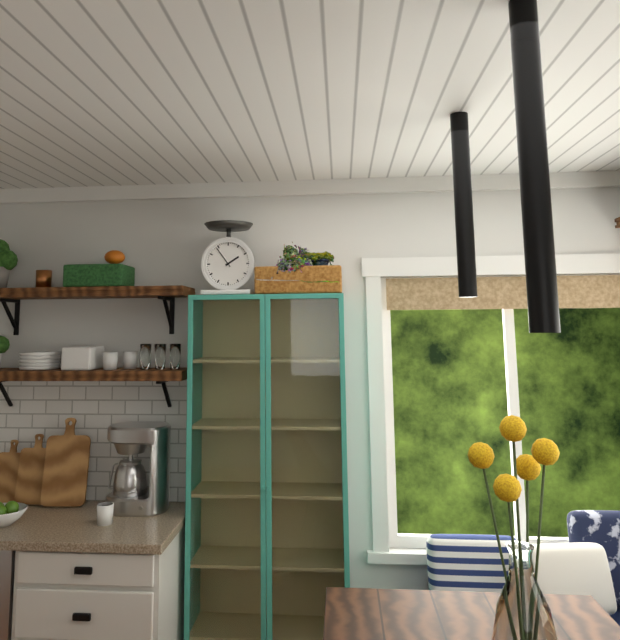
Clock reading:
1.54
